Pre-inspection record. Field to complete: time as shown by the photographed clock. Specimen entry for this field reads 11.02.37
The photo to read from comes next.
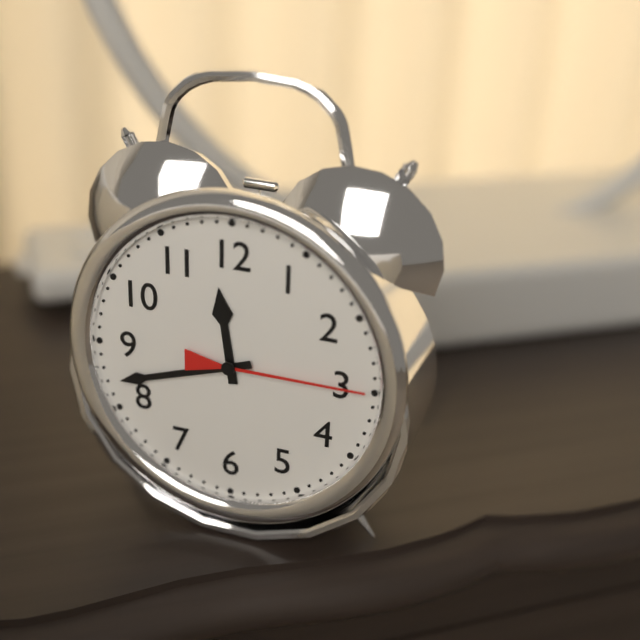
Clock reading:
11.42.15
